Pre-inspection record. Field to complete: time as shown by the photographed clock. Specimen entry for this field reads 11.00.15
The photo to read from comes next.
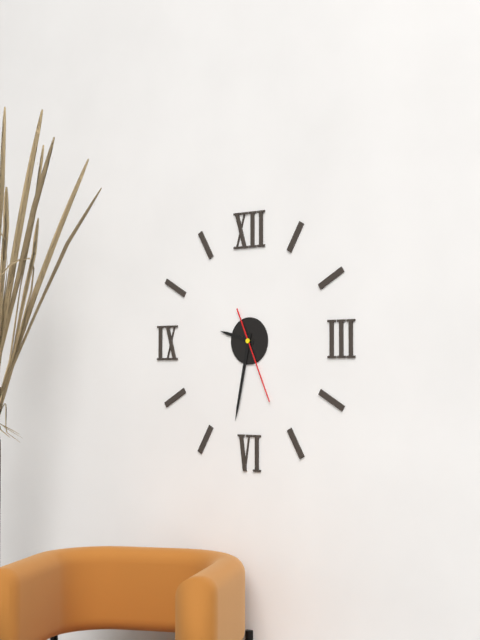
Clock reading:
9.32.26
